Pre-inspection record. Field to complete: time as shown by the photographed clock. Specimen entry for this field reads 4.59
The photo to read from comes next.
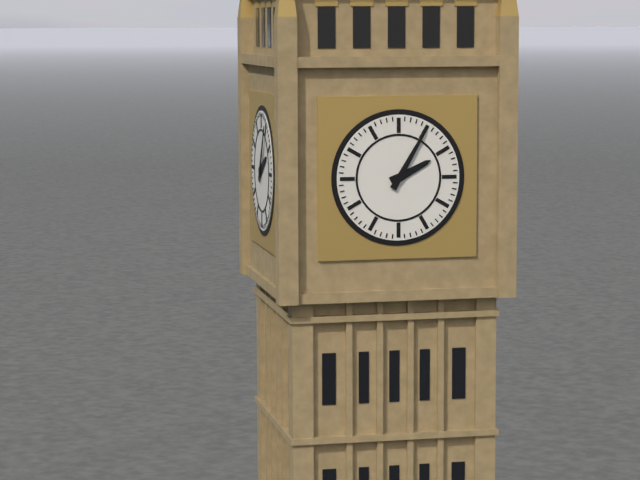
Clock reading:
2.05
